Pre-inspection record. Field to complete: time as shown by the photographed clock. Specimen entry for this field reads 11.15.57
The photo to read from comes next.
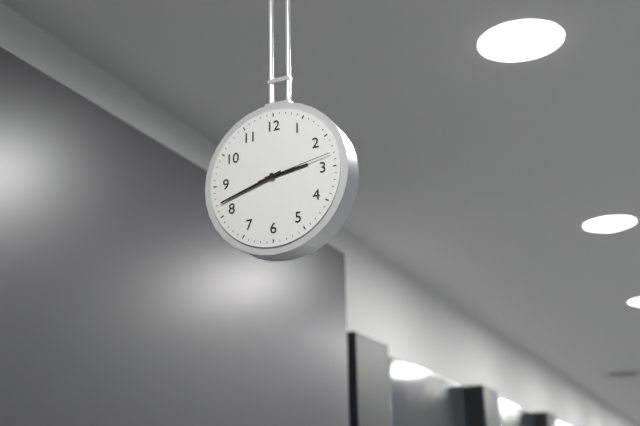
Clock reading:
2.42.13
